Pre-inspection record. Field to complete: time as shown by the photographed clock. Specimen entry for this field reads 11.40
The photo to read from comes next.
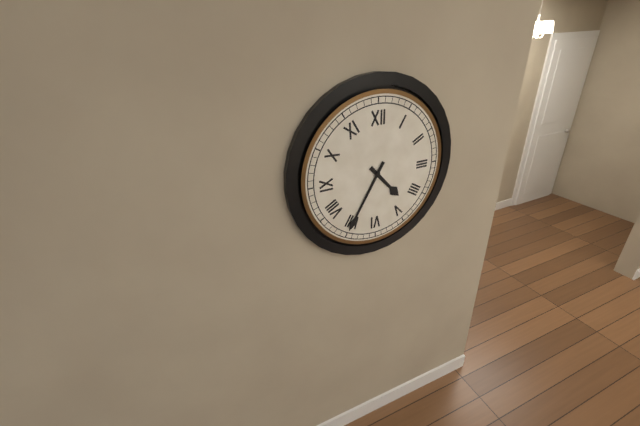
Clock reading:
4.35
